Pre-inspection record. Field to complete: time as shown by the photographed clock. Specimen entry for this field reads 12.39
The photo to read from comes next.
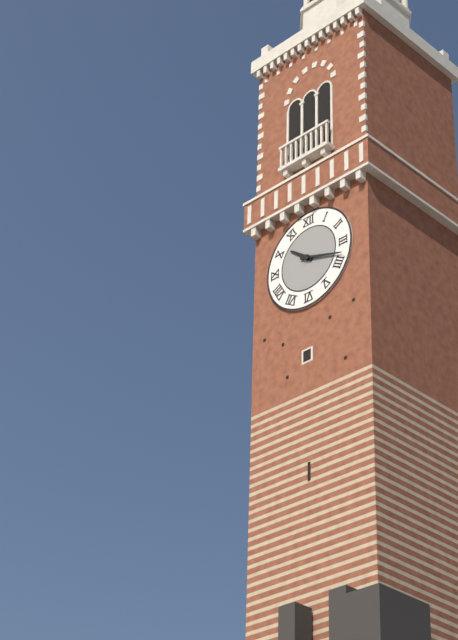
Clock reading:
10.18
